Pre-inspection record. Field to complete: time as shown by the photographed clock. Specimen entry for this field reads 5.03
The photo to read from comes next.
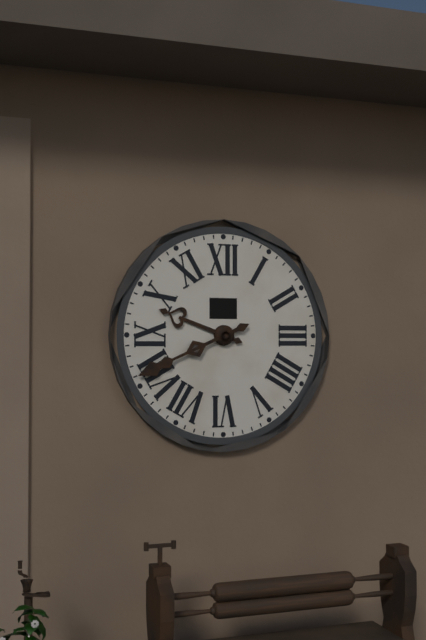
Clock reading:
9.41
